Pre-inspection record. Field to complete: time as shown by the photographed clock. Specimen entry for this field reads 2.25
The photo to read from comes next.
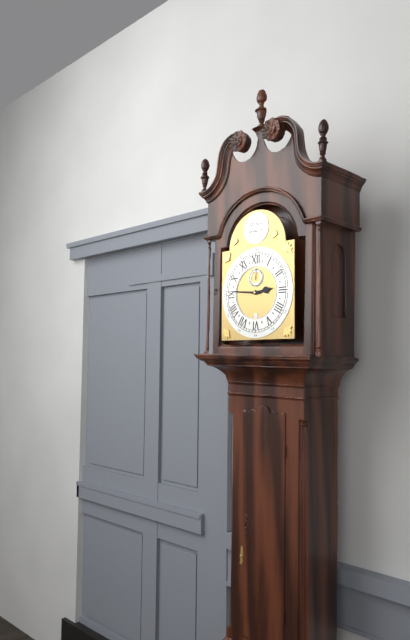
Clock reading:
2.46
